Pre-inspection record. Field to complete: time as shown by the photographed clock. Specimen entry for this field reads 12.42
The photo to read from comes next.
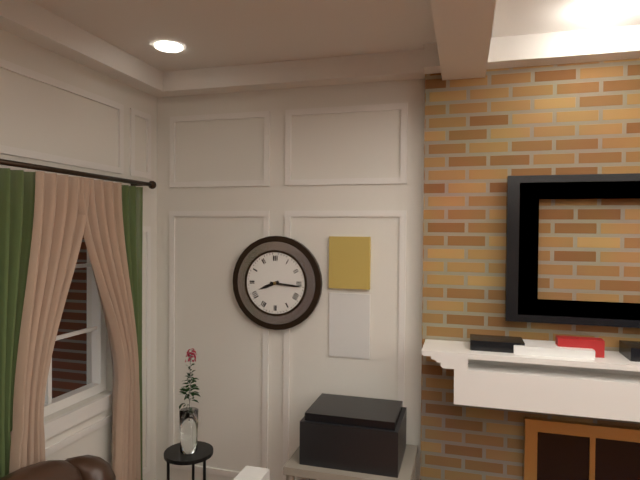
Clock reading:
8.16
